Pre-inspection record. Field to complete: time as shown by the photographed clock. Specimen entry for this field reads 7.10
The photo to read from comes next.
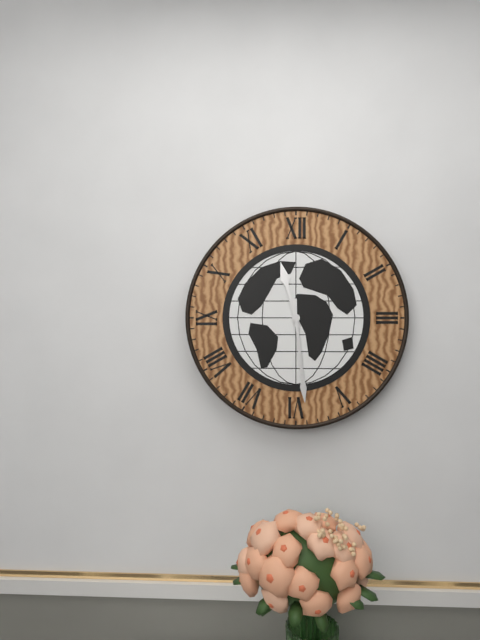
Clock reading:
11.29
